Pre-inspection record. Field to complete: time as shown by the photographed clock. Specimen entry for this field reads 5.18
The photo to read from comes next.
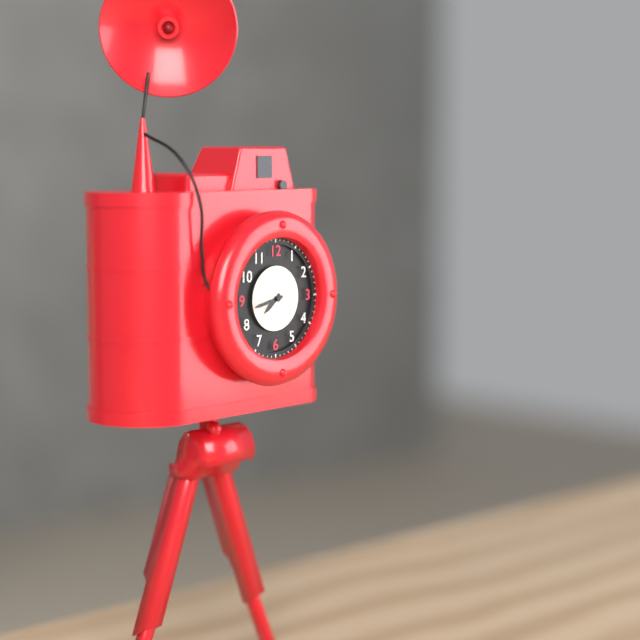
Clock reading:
7.43
